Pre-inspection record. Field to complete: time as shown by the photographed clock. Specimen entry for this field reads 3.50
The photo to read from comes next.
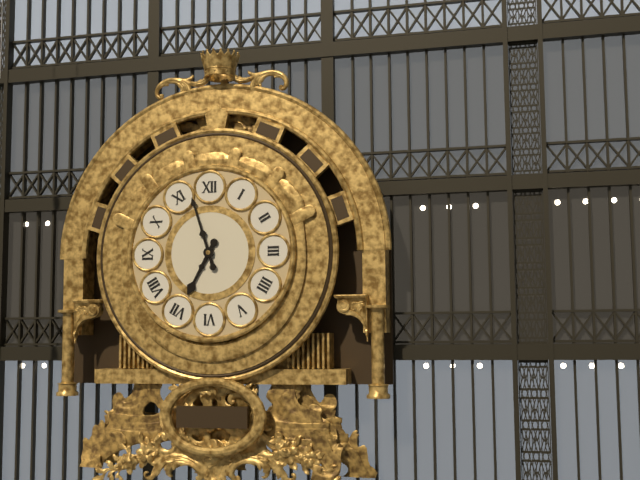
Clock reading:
6.57
